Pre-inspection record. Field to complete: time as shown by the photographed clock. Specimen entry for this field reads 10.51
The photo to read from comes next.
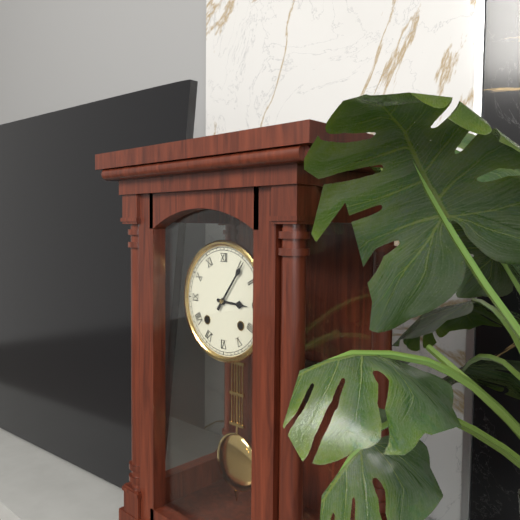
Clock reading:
3.06
